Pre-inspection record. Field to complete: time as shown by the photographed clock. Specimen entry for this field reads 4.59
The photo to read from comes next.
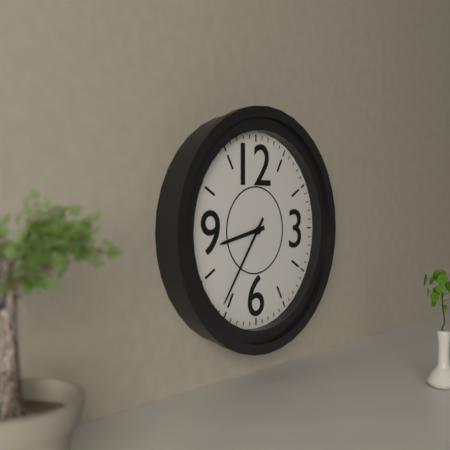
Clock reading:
8.36
